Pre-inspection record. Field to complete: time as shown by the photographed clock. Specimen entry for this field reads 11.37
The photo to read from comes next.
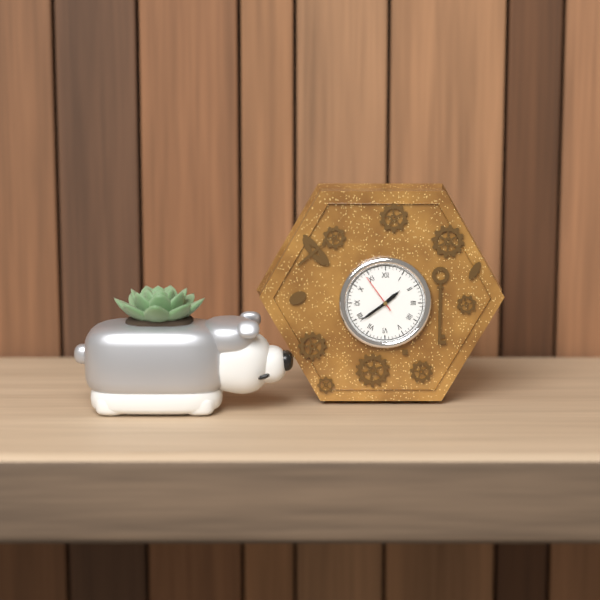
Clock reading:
1.39
